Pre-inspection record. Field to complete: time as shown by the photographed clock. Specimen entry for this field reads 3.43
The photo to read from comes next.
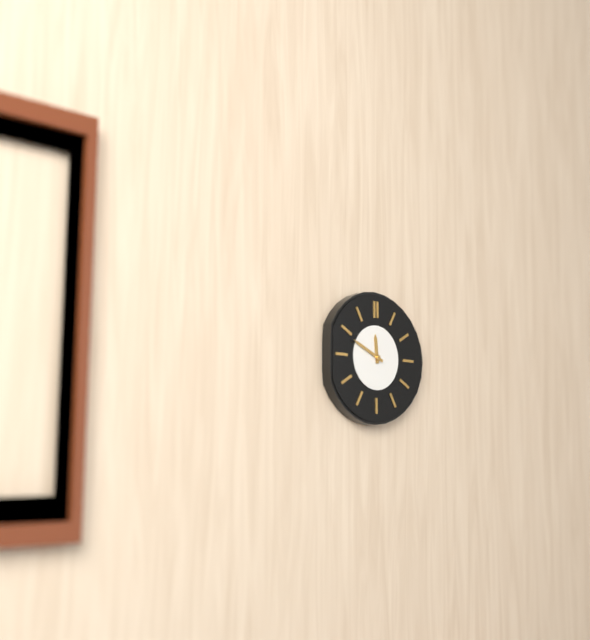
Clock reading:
11.49
